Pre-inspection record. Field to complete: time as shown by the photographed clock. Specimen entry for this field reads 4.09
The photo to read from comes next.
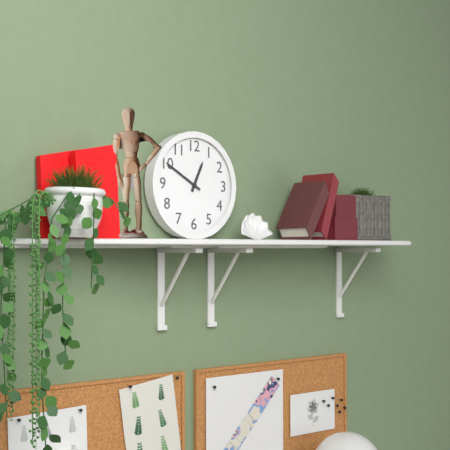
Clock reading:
12.50
